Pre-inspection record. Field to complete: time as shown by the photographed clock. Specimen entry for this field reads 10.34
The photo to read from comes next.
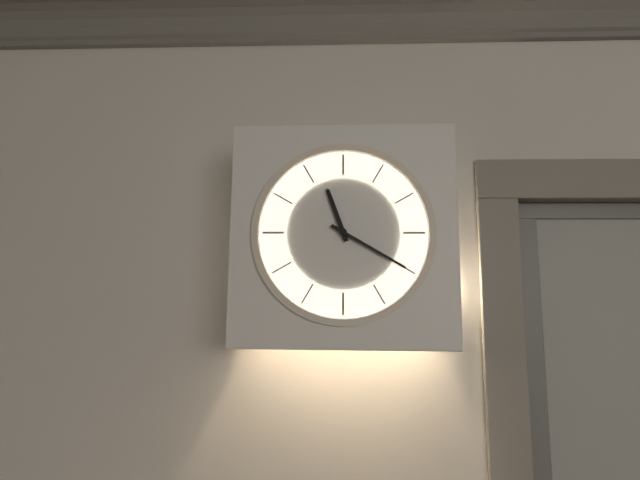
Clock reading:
11.20
